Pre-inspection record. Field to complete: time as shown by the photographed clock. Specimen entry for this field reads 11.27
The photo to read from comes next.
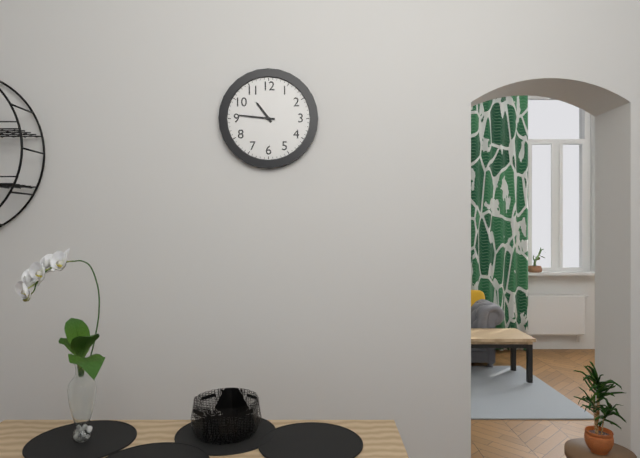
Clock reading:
10.46
